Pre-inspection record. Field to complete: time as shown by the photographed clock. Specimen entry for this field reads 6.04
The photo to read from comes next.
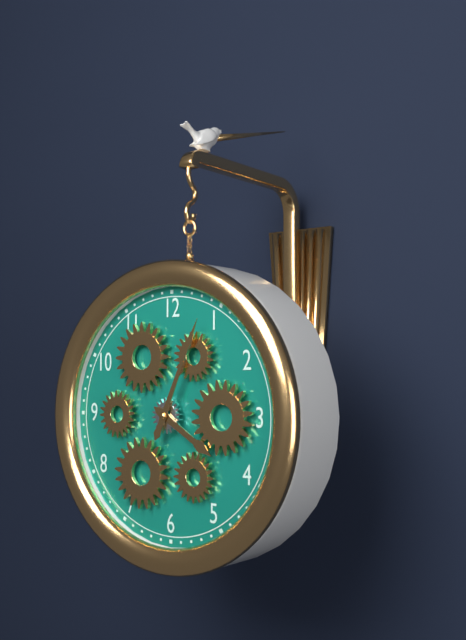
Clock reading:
4.04
